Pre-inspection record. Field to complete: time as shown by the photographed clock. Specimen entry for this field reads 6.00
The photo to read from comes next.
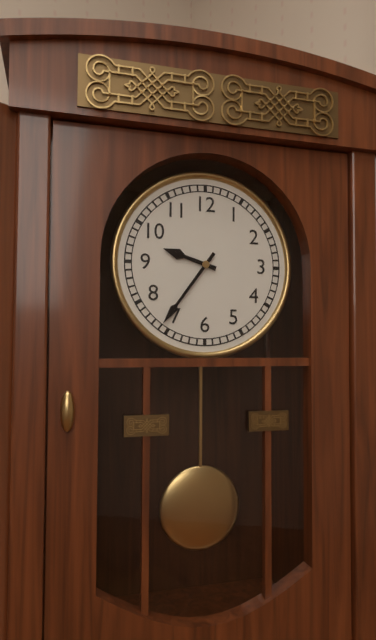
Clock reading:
9.36
